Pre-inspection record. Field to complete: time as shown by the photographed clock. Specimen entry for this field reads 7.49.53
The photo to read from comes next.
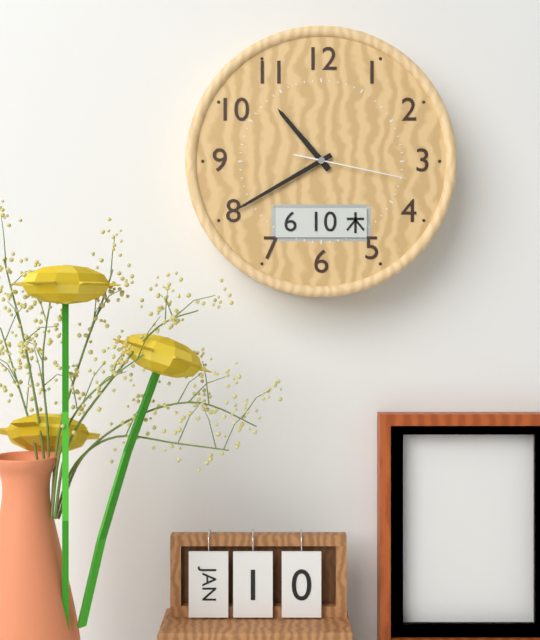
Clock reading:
10.40.17
